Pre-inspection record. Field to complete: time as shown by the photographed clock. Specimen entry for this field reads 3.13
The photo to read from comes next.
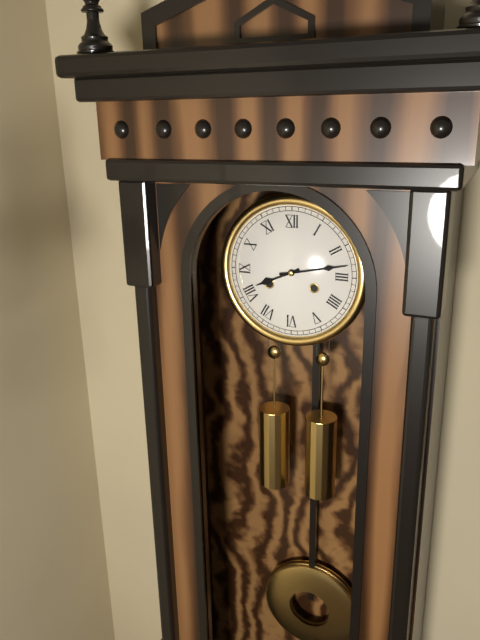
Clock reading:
8.13
